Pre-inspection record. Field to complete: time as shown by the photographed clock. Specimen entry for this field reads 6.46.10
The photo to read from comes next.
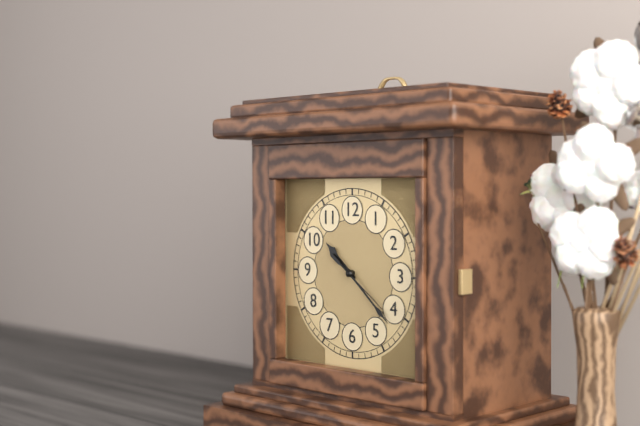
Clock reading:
10.22.21
